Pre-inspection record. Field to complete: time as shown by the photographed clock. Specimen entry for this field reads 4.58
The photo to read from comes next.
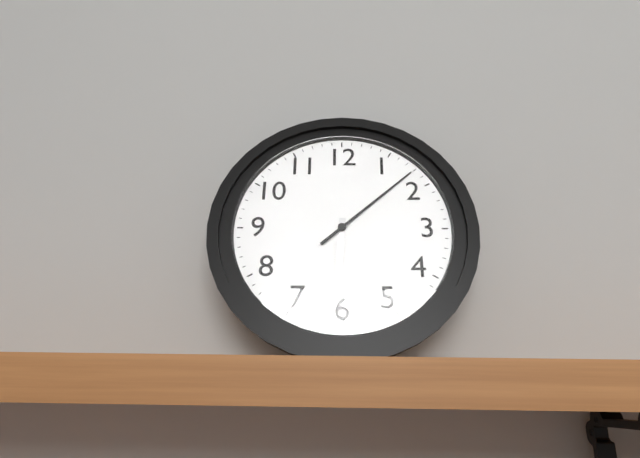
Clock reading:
6.08
